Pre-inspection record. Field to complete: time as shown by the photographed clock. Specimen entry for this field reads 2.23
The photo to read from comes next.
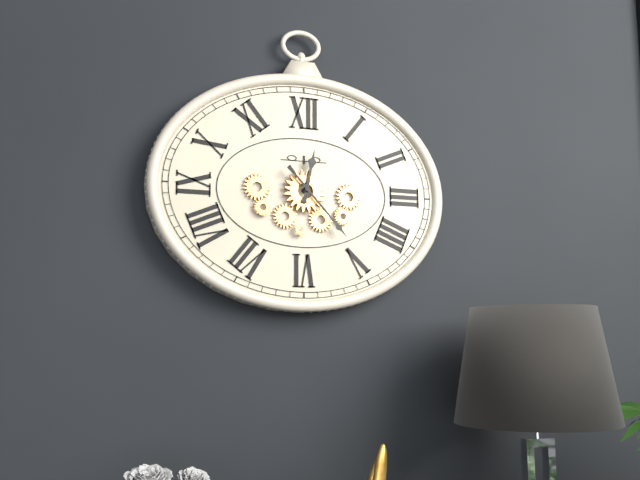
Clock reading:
12.23
